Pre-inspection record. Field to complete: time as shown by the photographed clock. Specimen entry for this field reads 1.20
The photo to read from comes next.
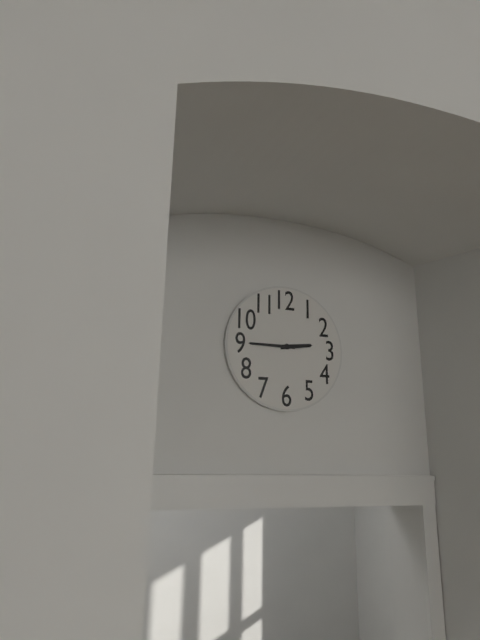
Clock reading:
2.45
